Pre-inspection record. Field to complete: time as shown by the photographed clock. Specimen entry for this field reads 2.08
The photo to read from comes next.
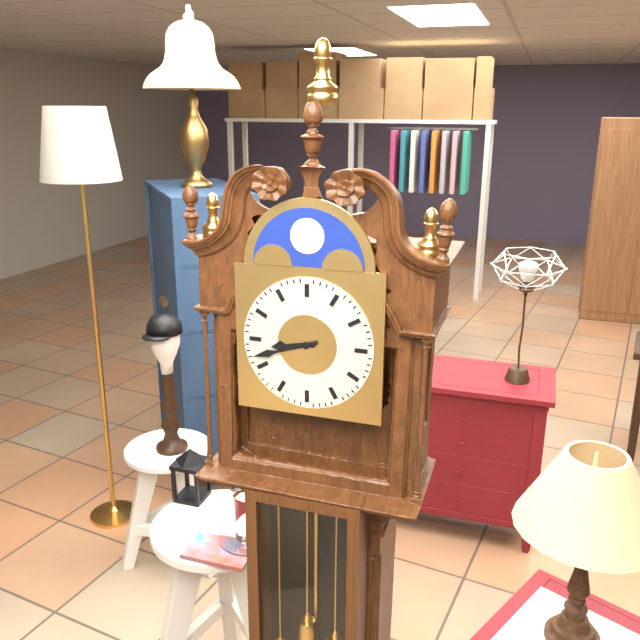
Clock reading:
8.42
